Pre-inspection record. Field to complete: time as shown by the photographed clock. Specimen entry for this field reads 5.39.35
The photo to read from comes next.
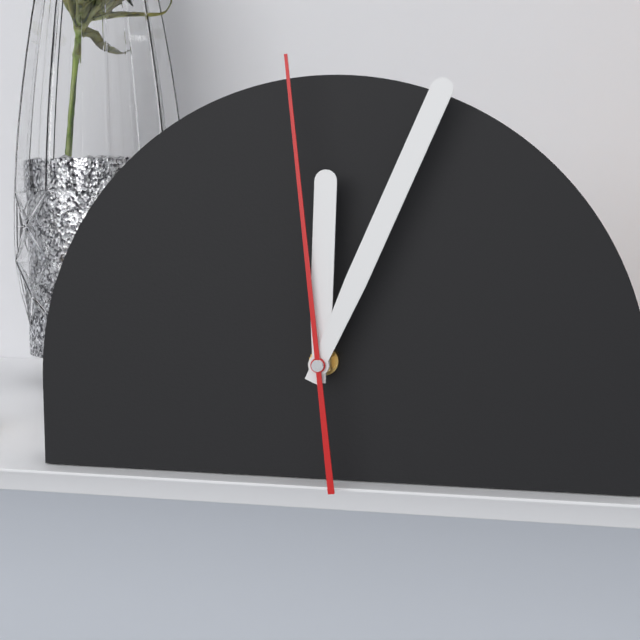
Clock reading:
12.04.59
